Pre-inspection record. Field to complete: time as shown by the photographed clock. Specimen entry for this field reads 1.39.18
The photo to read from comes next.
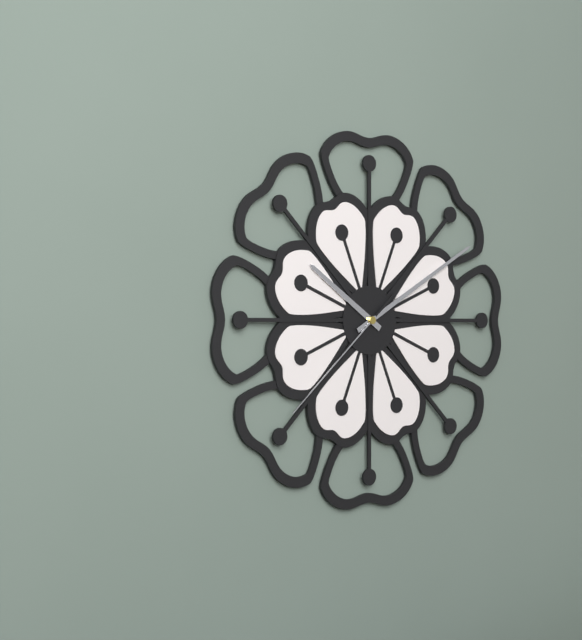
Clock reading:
10.10.38
